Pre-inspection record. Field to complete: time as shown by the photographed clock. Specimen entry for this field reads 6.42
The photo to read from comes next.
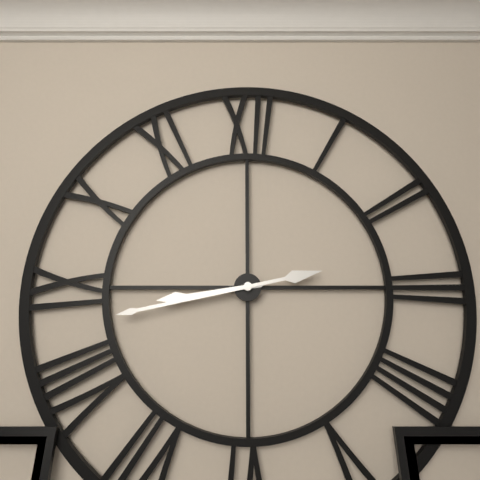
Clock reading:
8.43
